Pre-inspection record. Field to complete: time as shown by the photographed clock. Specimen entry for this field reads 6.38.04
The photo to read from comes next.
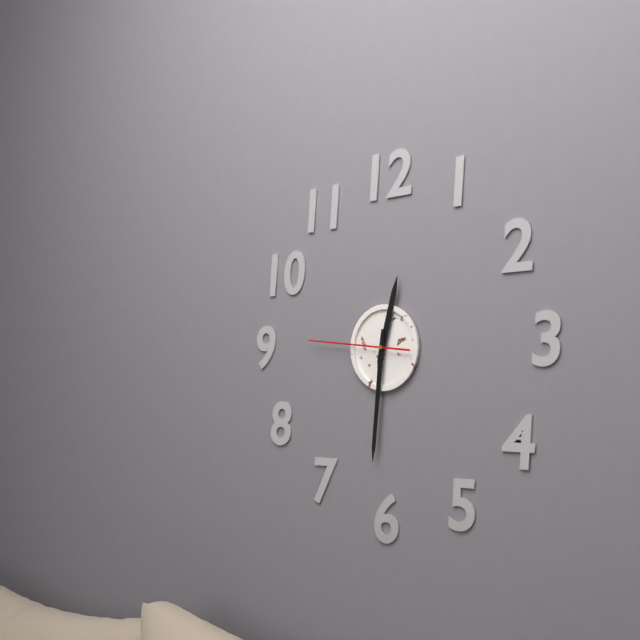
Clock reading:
12.31.46
